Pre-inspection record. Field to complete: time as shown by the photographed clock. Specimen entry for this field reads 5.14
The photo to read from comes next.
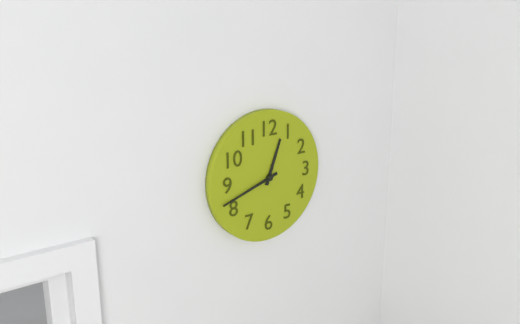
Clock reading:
12.42
